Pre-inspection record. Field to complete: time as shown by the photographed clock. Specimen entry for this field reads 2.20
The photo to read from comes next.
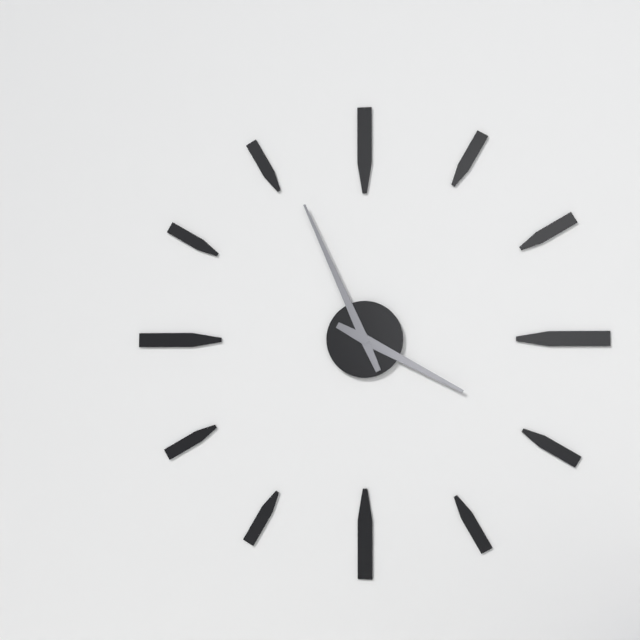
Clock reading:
3.56
